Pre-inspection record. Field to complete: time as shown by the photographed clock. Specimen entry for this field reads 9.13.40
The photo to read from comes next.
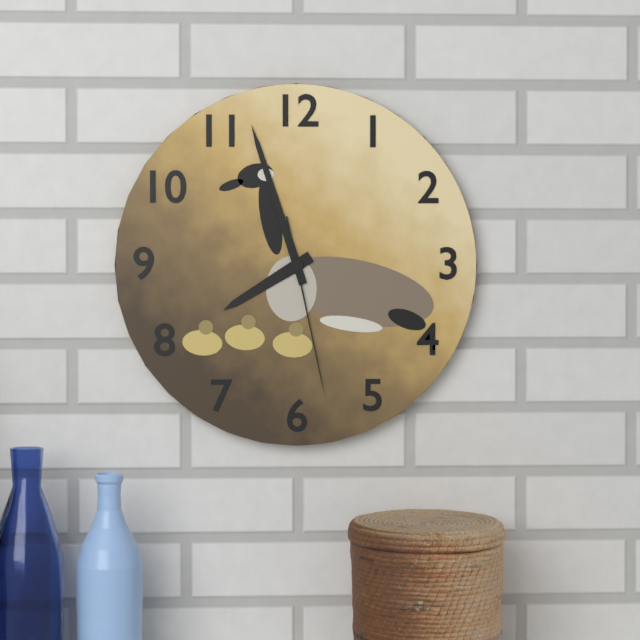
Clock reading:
7.57.28
